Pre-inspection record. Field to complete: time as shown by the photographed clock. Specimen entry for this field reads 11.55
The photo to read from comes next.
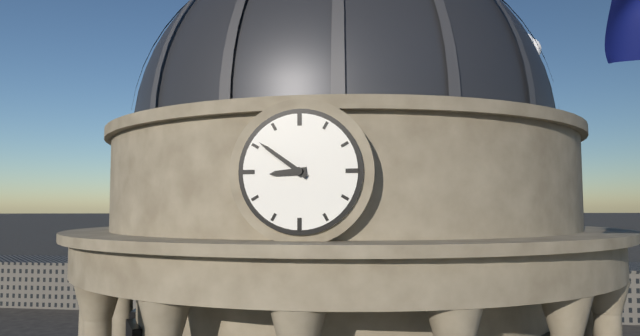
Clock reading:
8.51
